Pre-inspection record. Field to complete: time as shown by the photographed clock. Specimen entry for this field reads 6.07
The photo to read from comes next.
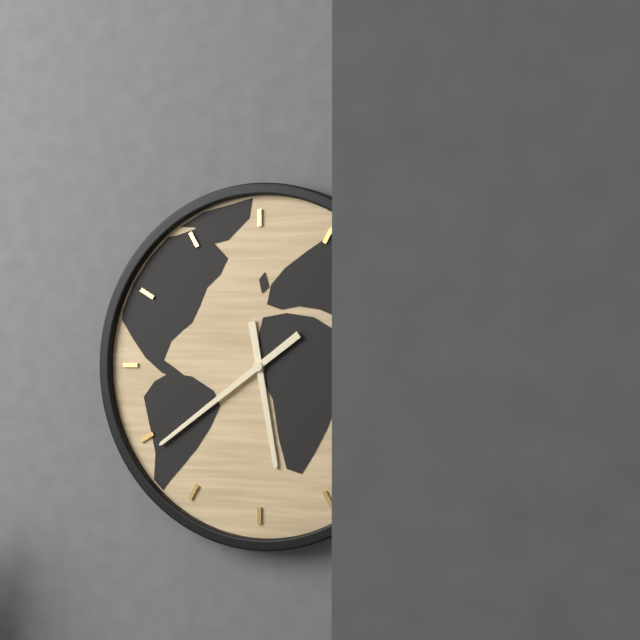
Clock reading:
5.39
